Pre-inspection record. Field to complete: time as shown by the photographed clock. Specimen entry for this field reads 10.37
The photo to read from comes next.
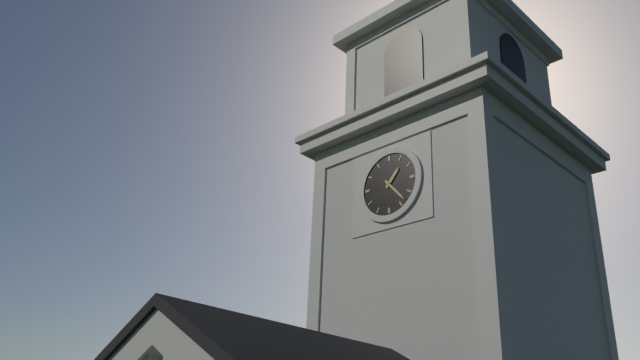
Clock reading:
1.23
